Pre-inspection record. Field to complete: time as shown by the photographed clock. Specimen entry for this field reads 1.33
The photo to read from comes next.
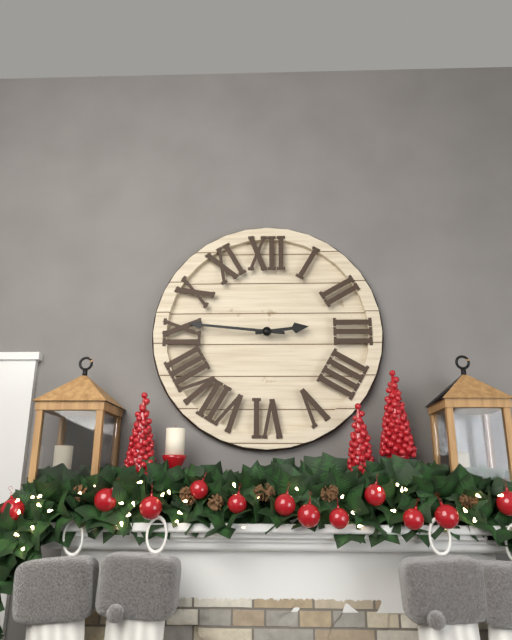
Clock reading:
2.46
